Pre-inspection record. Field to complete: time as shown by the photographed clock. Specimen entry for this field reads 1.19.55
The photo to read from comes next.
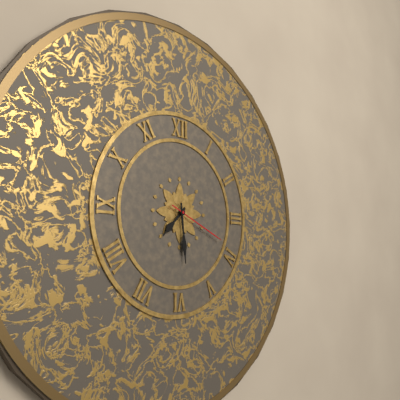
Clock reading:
7.29.19
